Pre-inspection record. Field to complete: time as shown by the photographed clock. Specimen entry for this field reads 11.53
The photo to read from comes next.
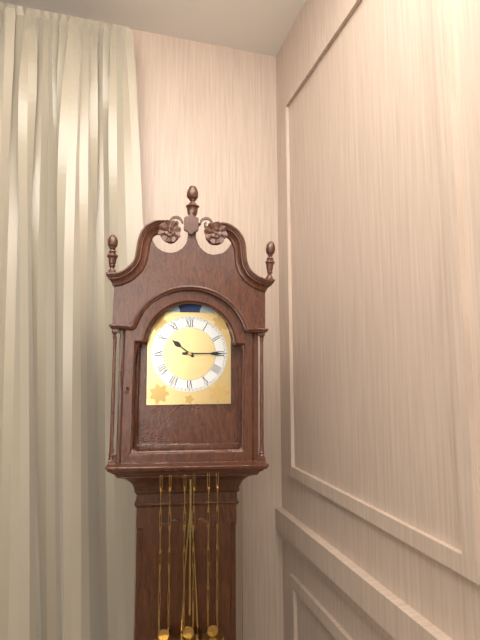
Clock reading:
10.15
